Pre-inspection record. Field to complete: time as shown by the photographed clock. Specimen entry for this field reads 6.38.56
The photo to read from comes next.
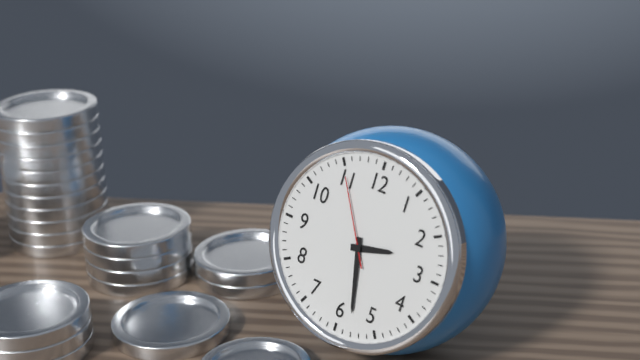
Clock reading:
2.28.55
